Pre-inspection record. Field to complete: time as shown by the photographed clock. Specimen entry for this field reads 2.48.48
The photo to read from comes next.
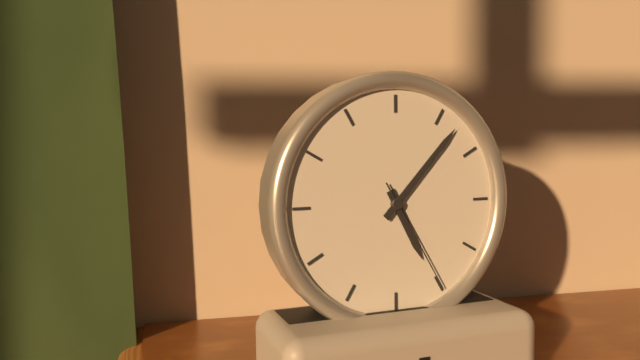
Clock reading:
5.07.25
